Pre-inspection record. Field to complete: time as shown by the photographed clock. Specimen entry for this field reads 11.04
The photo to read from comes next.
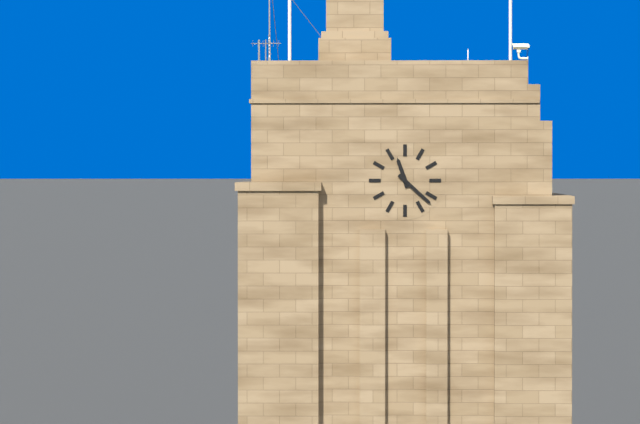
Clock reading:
11.22
